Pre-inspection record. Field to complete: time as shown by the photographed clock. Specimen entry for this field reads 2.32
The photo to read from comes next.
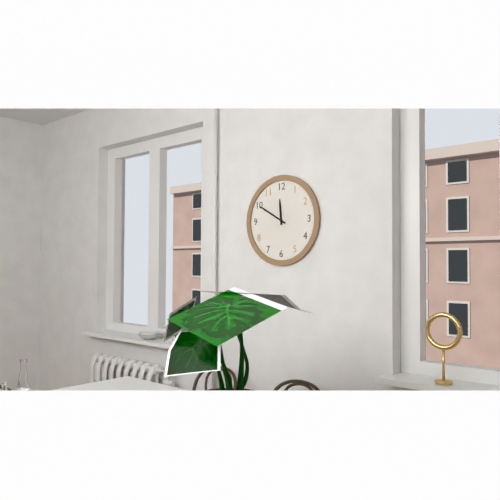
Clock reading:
11.50
